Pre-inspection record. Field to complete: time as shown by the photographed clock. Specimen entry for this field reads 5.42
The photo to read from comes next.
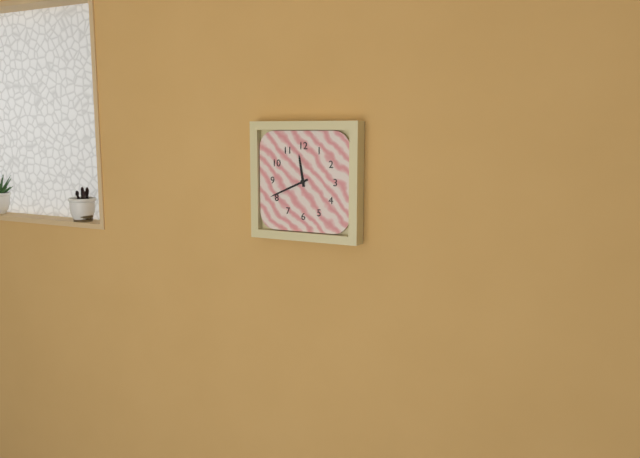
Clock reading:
11.41
